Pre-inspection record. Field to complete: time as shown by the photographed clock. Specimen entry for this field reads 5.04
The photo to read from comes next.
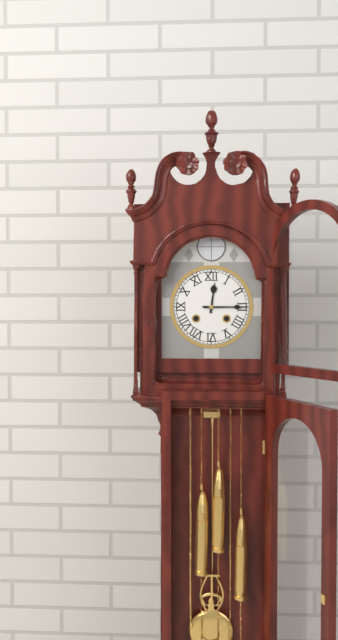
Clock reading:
12.15
